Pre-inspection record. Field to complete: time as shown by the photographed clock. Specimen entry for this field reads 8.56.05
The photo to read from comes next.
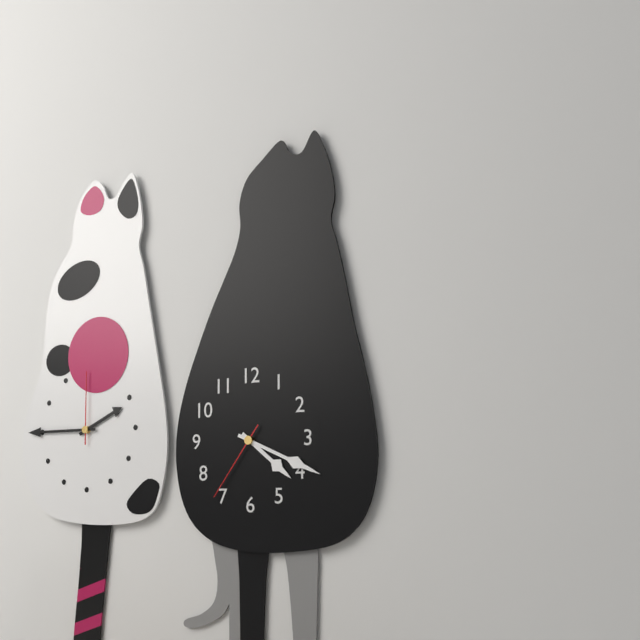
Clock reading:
4.19.36
